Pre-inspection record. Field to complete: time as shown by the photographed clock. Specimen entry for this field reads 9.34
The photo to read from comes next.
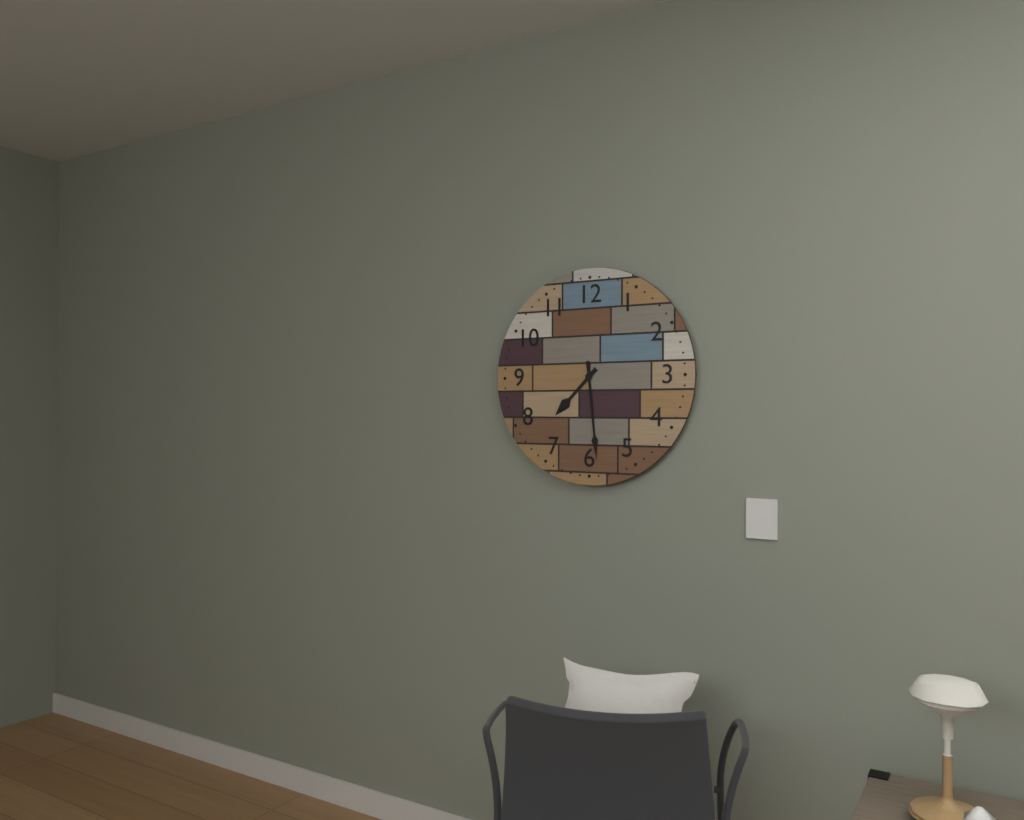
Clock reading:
7.29
